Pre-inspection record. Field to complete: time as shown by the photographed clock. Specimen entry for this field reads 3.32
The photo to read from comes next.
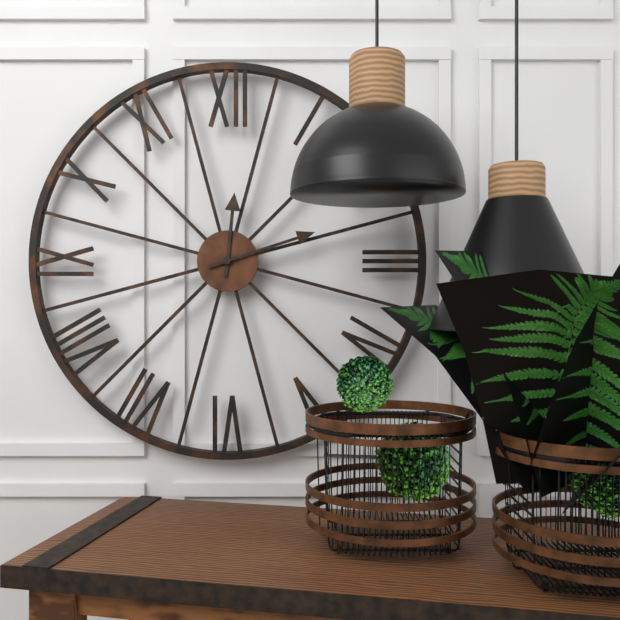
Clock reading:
12.12
